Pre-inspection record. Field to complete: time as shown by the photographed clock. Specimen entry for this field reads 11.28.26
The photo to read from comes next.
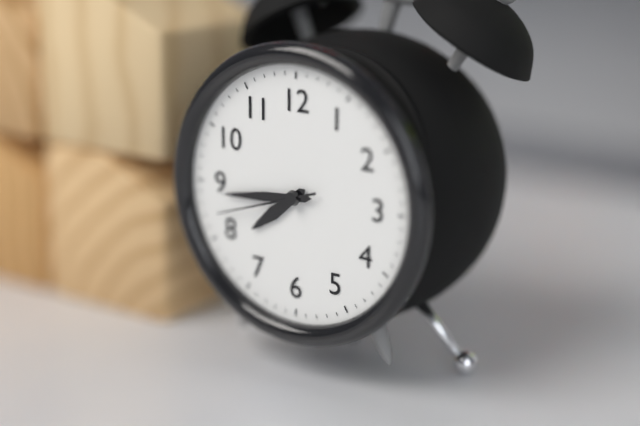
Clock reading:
7.44.42
